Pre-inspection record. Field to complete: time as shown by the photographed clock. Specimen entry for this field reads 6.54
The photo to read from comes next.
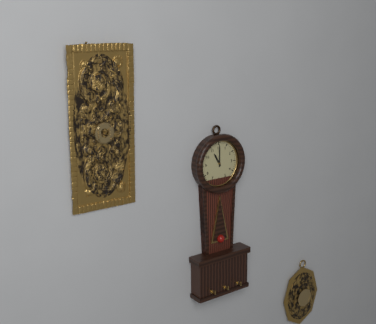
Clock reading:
11.00
